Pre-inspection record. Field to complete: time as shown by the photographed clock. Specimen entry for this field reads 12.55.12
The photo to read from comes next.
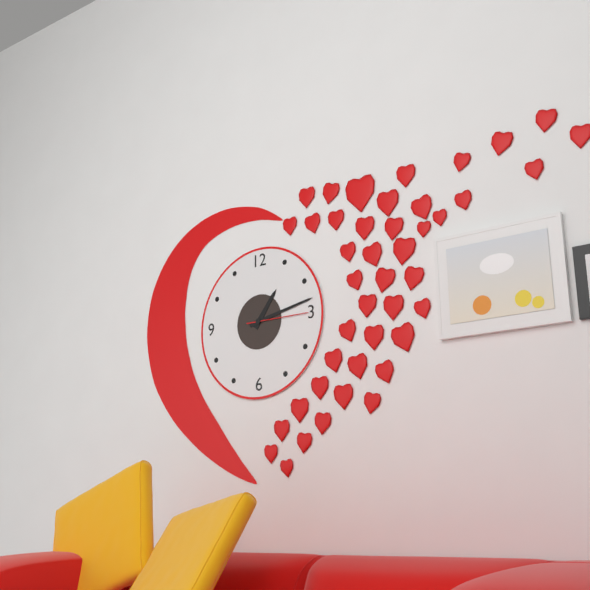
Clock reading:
1.13.15
